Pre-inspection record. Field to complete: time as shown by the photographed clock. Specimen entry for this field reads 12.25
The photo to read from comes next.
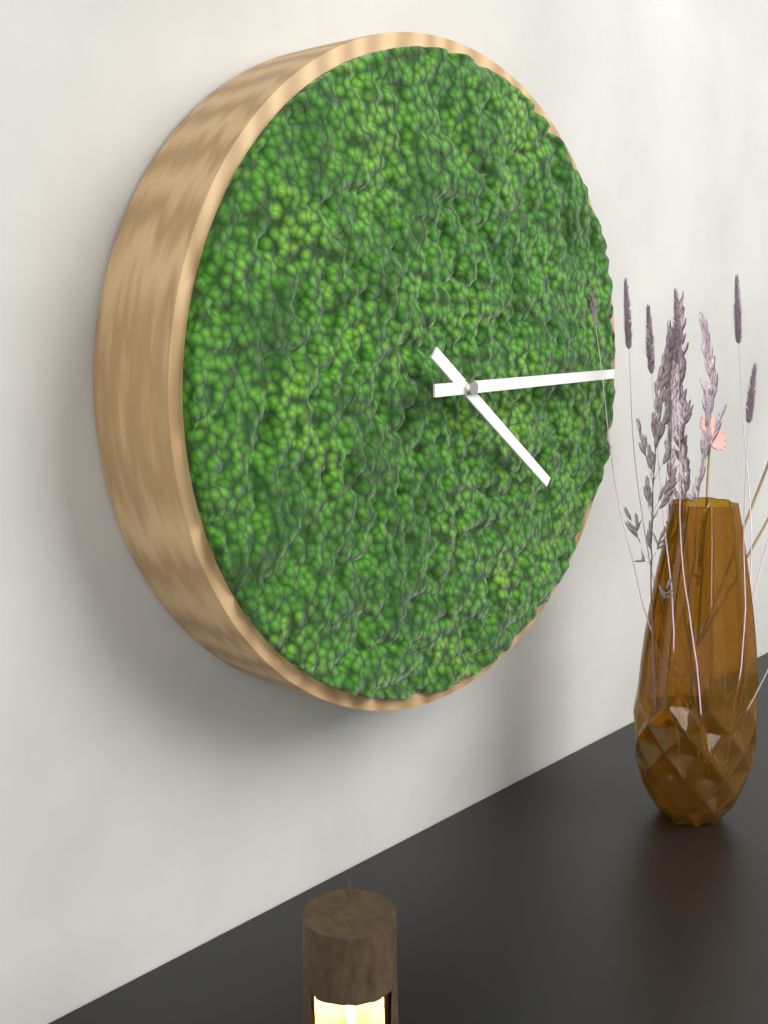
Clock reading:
4.15
